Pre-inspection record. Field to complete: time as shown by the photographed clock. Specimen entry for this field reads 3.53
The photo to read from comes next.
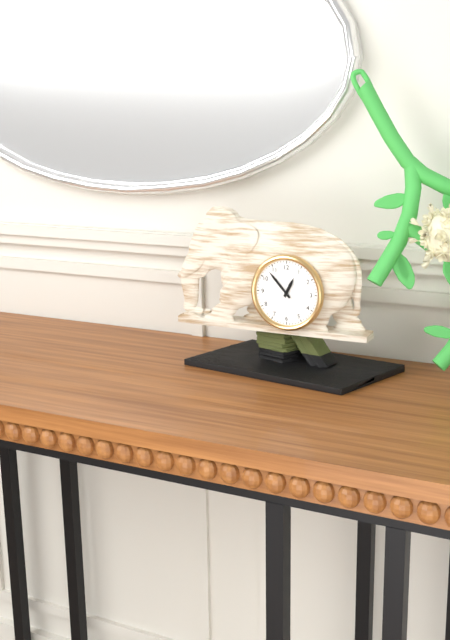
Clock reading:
12.53
